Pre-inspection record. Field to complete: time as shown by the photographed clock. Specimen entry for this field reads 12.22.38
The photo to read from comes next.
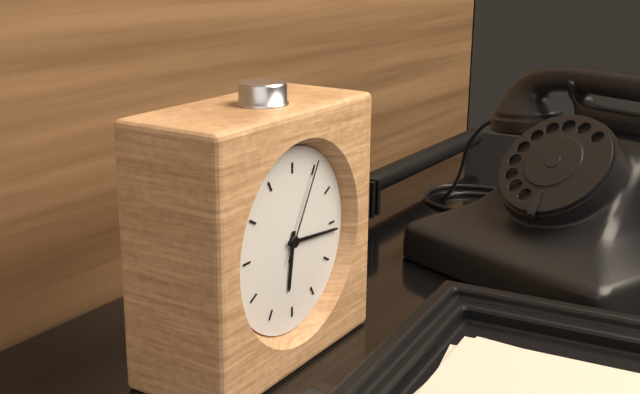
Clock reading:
6.16.05
